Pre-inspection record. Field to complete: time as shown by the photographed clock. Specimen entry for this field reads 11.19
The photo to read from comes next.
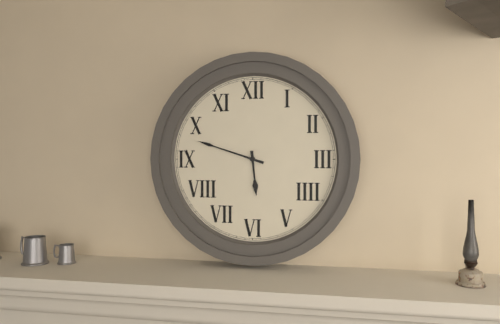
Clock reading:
5.48
